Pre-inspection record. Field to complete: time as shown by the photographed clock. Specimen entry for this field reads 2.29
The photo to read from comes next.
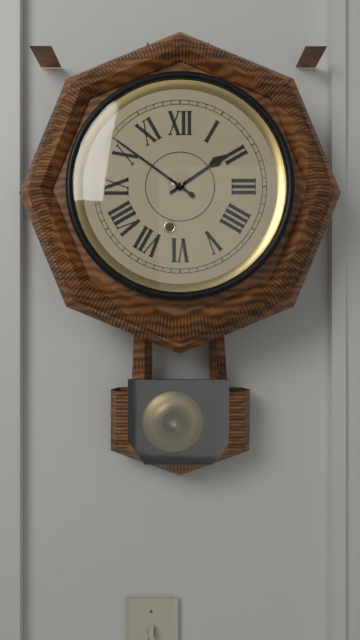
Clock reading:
1.51
